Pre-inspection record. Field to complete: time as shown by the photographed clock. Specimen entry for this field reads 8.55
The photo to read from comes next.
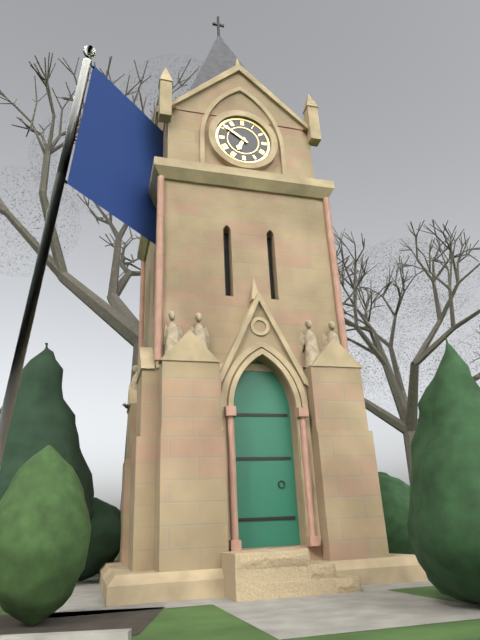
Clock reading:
6.51
